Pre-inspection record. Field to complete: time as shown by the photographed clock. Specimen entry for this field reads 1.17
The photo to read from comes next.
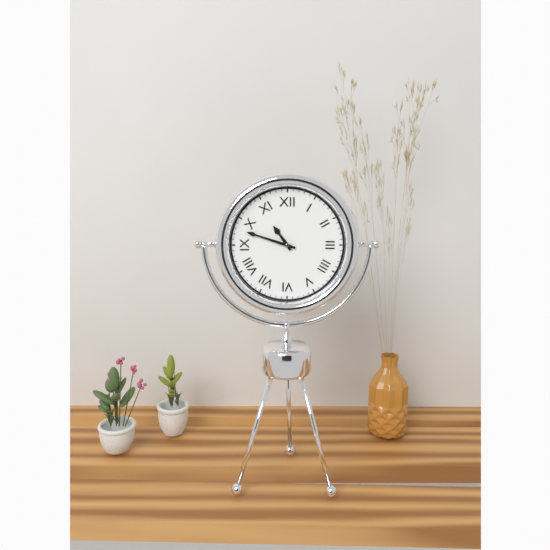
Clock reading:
10.48
